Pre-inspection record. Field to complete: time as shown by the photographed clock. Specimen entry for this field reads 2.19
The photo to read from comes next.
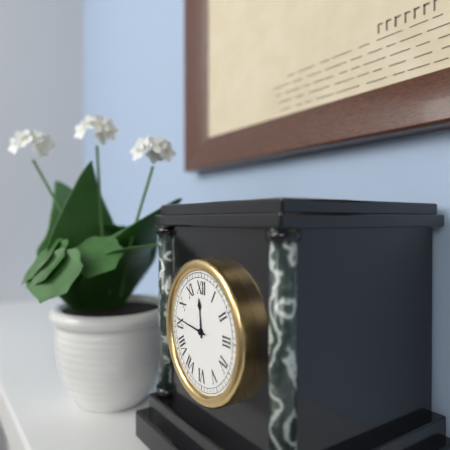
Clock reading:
11.46
